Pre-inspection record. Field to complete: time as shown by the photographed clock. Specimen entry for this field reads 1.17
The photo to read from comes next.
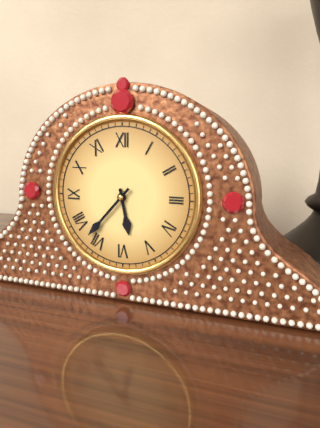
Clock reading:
5.37
